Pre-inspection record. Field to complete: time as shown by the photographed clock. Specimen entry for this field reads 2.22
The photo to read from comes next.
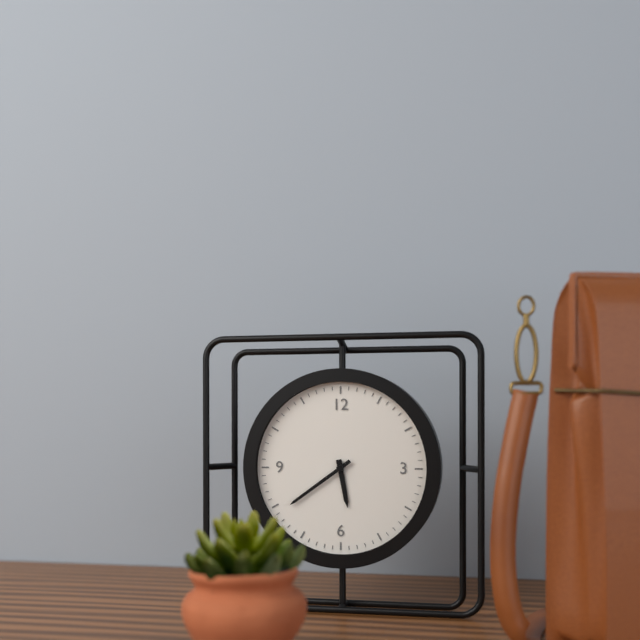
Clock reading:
5.39
